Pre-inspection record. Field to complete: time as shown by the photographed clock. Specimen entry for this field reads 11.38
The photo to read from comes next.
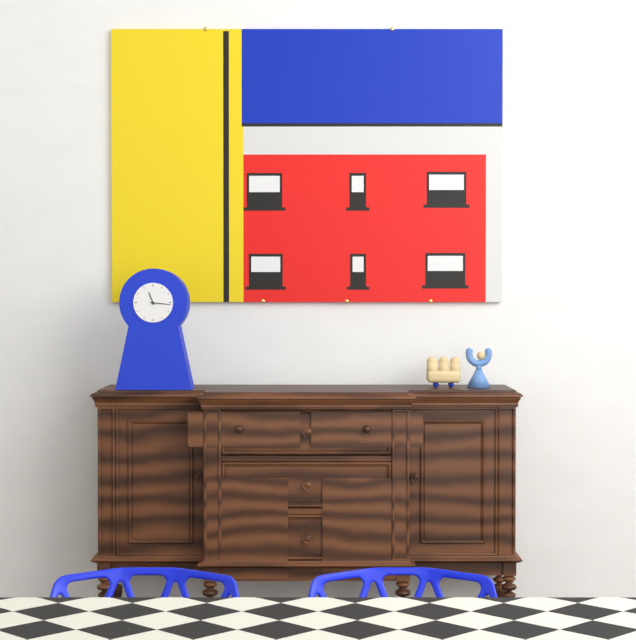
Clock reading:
11.16
